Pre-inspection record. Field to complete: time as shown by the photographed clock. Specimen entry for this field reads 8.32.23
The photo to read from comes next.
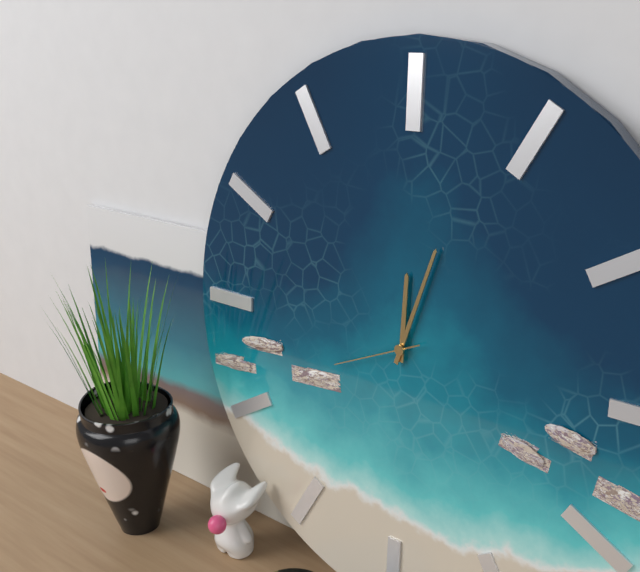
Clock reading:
12.03.41
